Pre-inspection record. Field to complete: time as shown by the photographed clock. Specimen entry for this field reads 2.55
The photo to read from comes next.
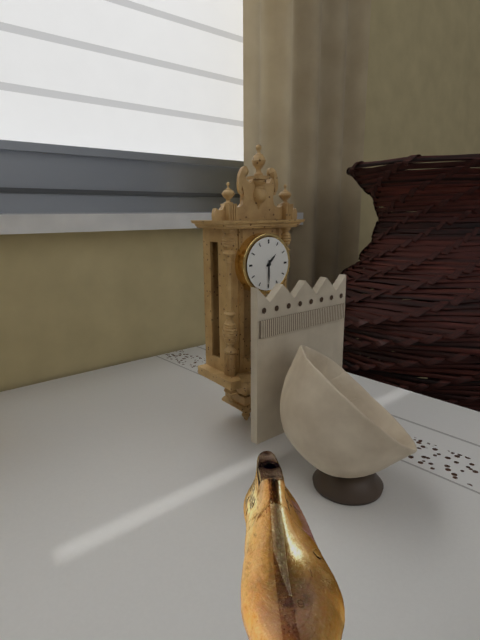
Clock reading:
1.30
